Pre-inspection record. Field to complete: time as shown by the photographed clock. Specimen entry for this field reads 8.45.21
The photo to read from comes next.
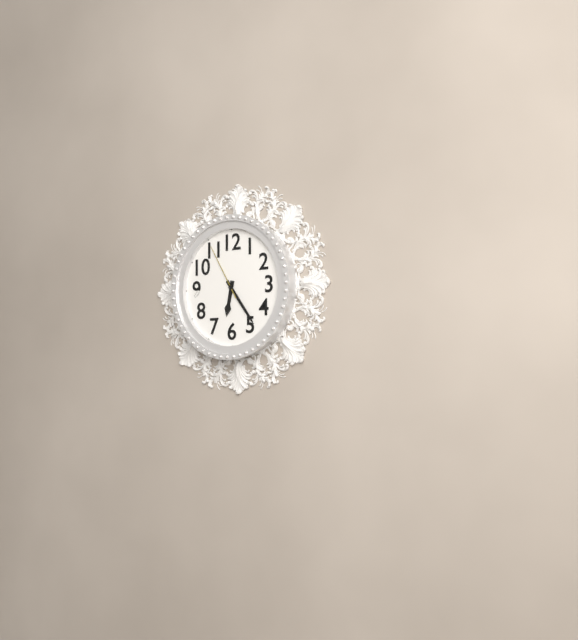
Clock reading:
6.24.55
